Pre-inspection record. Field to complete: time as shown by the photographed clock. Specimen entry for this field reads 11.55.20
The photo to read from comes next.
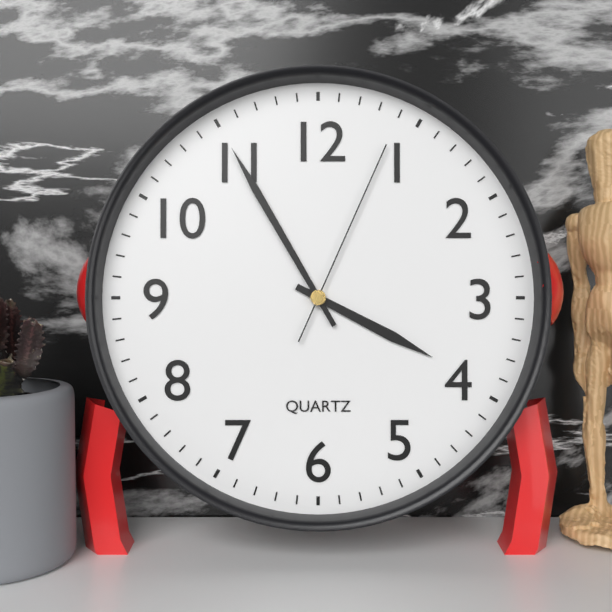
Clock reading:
3.55.04
